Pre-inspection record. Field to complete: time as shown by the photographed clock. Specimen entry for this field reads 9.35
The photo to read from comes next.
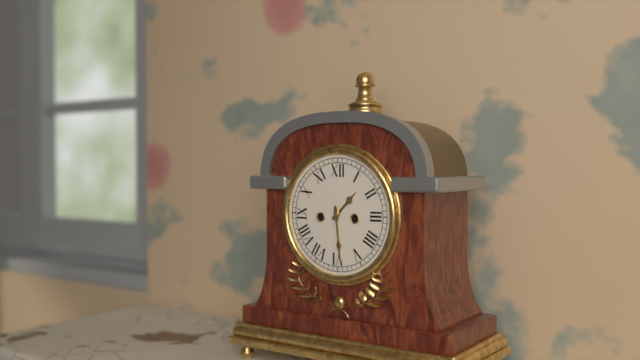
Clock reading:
1.29
